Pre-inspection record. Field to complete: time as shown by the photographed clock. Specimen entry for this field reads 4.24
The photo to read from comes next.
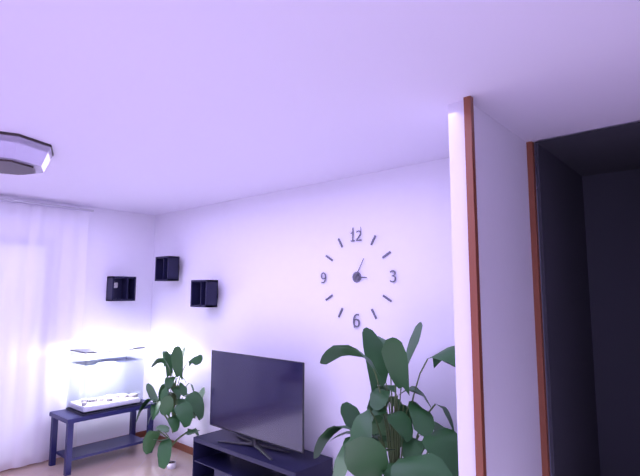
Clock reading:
3.05
